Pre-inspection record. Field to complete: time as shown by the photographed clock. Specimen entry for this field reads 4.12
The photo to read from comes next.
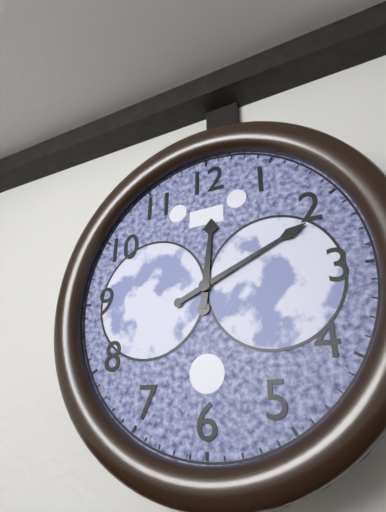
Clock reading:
12.11
